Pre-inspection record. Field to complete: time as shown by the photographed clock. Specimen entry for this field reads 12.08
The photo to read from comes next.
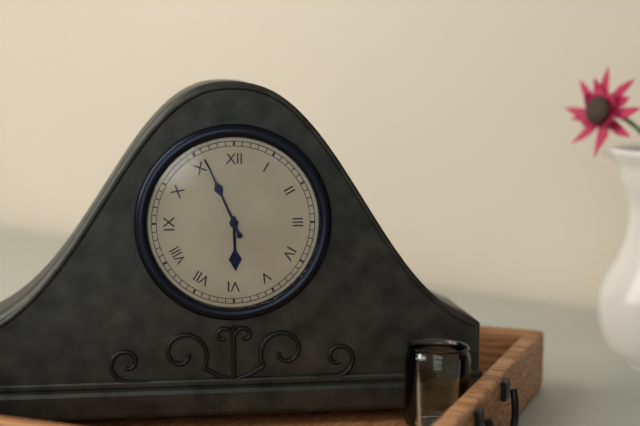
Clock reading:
5.56
